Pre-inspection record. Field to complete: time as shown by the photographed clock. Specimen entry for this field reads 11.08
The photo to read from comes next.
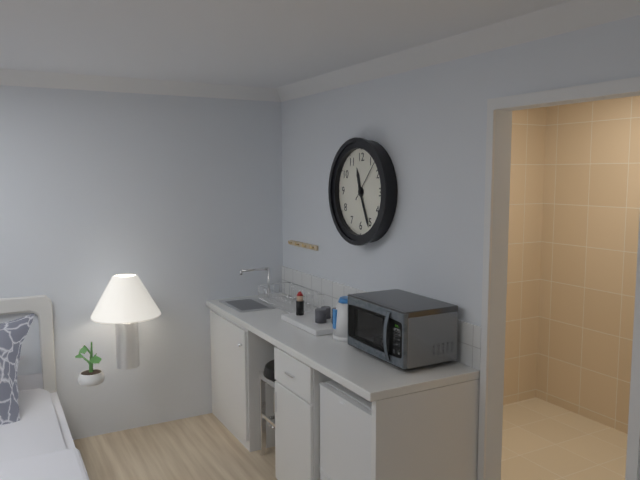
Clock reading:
11.26
